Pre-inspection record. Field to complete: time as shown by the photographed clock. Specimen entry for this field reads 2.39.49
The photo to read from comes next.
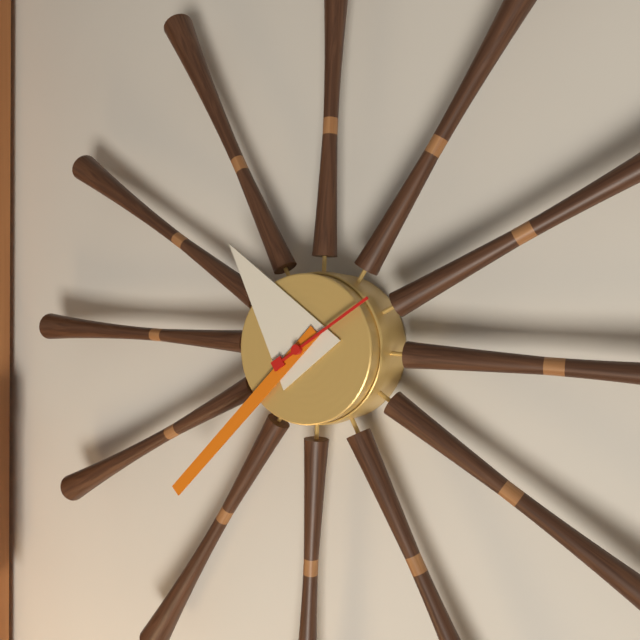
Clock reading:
10.37.09
